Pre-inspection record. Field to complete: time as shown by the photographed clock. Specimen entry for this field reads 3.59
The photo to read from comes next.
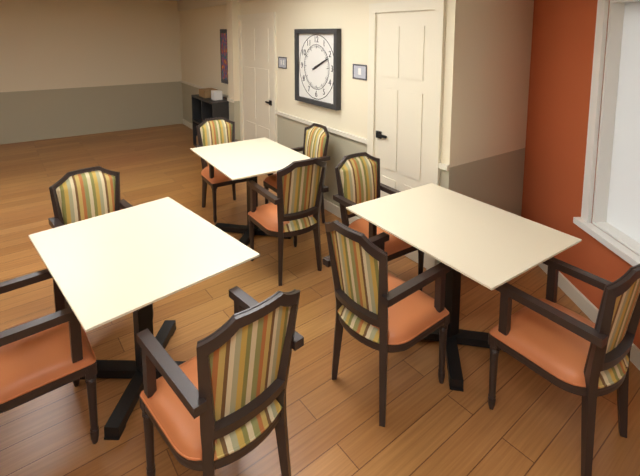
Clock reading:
2.11
